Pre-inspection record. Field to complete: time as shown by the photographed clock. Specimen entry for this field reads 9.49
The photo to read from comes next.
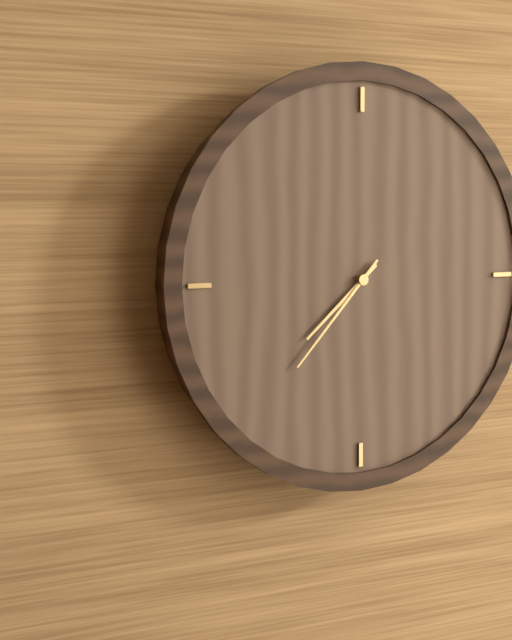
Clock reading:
7.37
